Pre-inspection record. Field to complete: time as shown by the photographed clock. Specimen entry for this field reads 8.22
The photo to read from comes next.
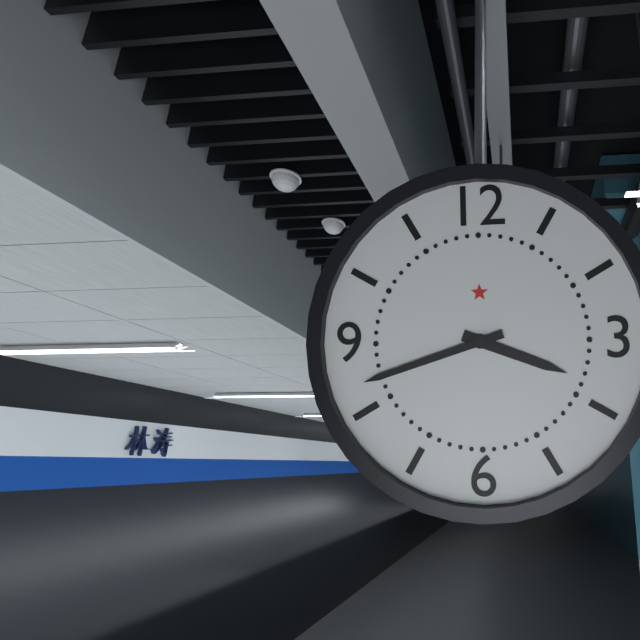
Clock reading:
3.42
